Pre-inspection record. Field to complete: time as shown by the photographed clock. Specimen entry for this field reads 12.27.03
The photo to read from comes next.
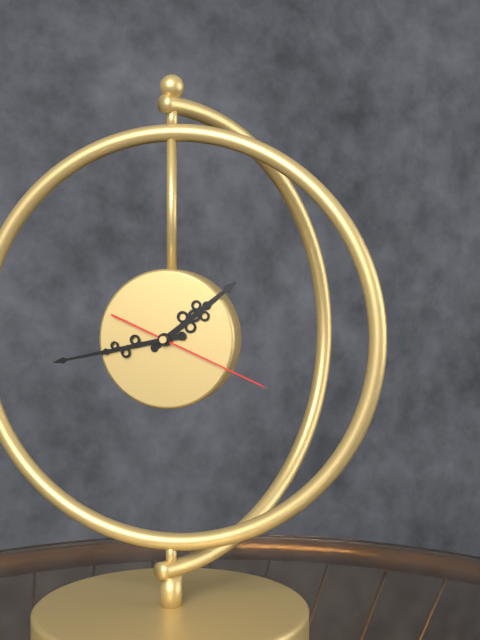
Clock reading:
1.43.19
